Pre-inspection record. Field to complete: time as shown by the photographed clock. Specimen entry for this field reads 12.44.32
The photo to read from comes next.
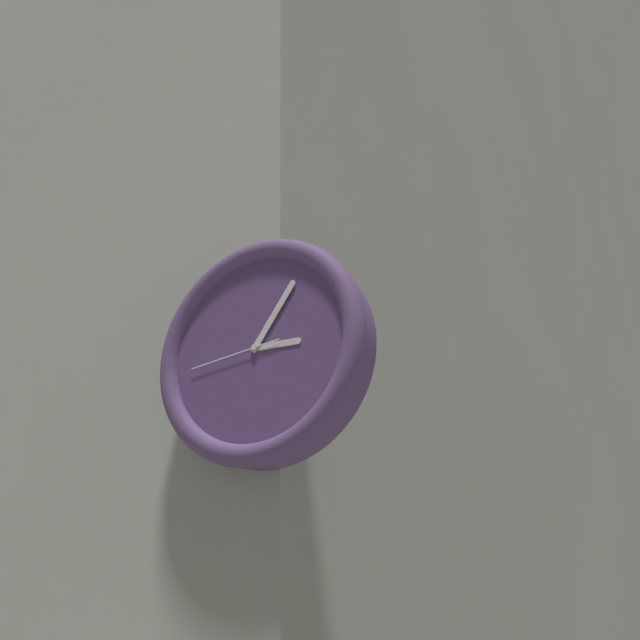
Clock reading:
3.06.44
